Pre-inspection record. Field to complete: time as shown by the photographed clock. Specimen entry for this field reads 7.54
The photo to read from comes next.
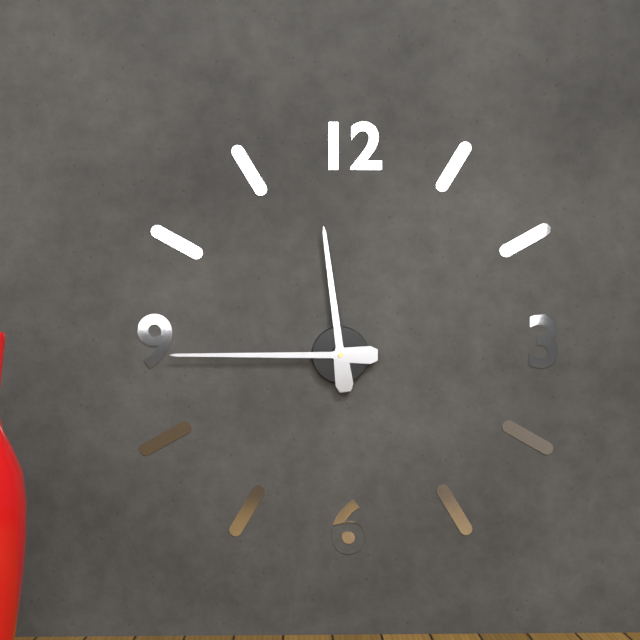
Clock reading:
11.45
